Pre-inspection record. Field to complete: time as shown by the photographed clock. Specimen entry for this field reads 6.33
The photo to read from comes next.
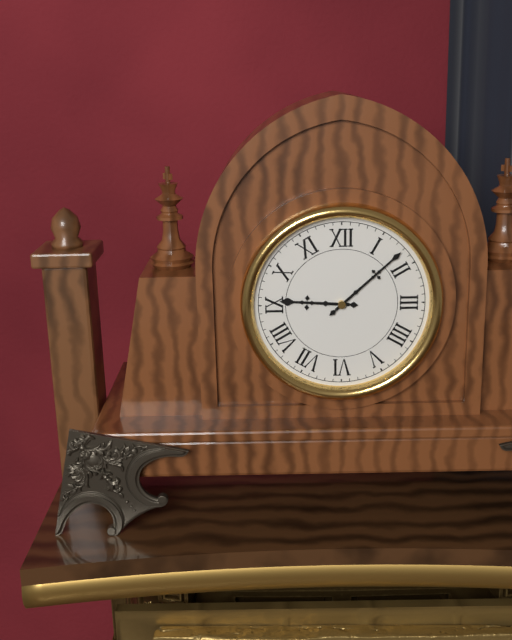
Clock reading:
9.08
